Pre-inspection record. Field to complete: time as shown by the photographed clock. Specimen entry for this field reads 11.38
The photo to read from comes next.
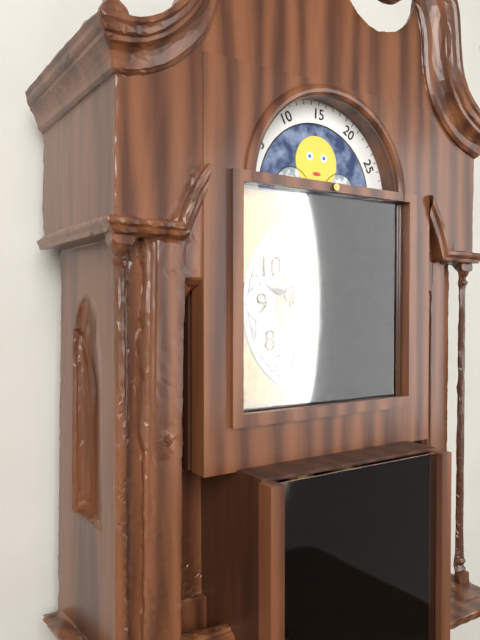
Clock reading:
9.27
